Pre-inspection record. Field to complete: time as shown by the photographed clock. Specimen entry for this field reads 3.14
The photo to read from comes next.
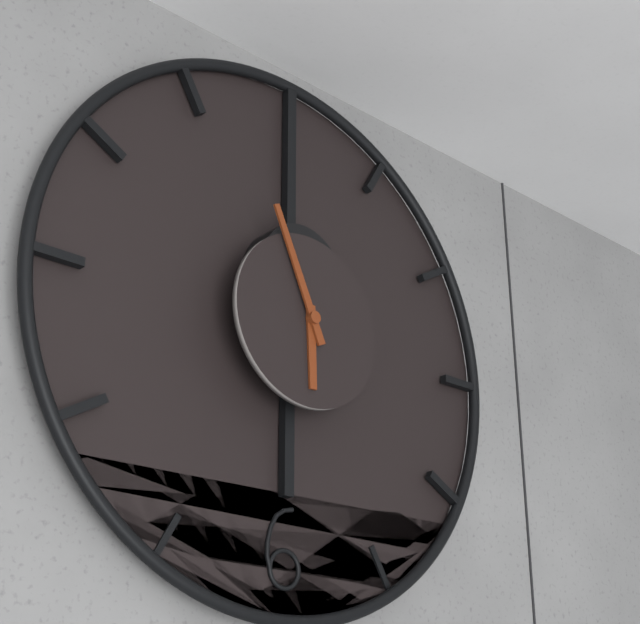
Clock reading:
5.56
